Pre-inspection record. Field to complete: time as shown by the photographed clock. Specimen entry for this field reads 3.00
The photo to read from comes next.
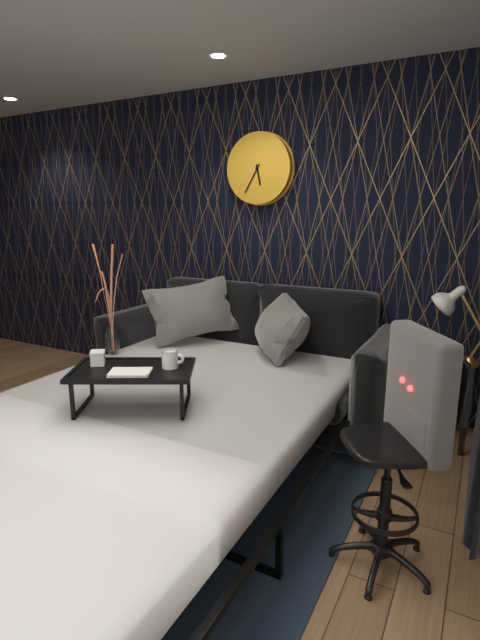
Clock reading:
5.35
